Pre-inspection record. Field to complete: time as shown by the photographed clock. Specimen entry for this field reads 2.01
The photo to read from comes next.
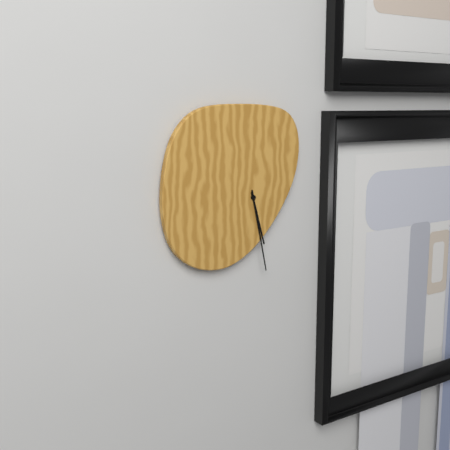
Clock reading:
5.28
